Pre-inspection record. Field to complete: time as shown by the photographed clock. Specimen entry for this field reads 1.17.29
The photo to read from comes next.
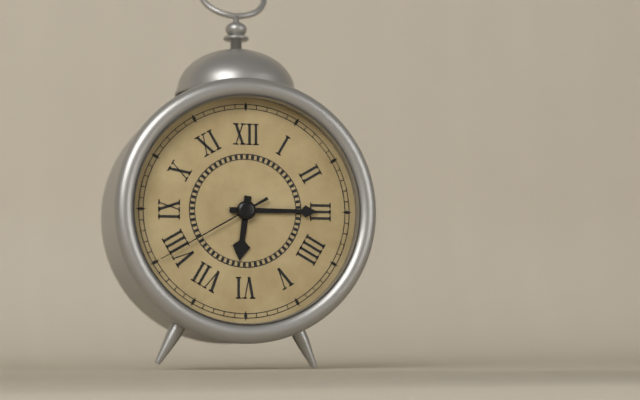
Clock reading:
6.15.40
